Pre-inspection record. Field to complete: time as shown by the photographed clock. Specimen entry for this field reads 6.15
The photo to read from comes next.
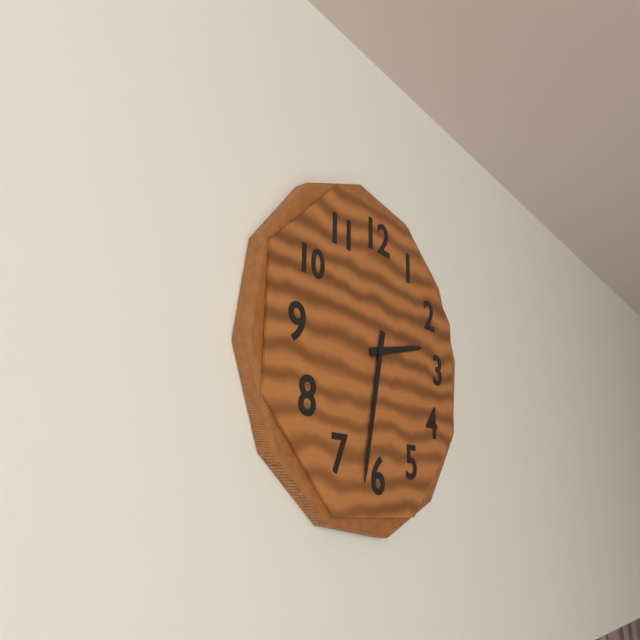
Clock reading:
2.32
